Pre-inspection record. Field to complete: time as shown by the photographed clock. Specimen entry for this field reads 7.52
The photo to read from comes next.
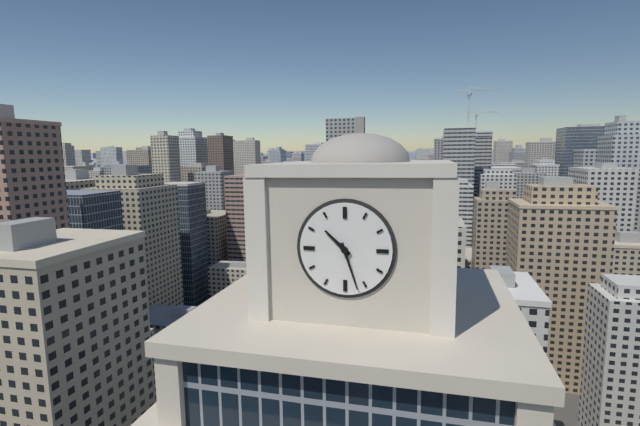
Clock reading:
10.27
